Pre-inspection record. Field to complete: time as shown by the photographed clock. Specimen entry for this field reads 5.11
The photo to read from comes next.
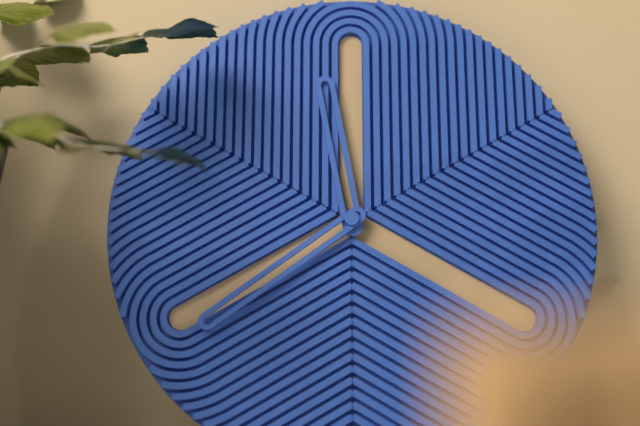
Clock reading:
11.39
